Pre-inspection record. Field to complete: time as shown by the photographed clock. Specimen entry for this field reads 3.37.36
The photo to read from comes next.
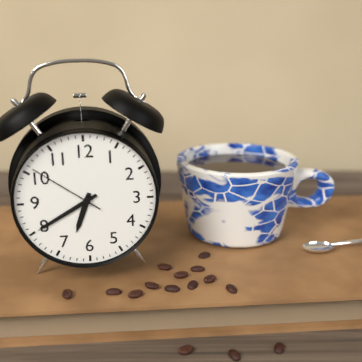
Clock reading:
6.40.51
